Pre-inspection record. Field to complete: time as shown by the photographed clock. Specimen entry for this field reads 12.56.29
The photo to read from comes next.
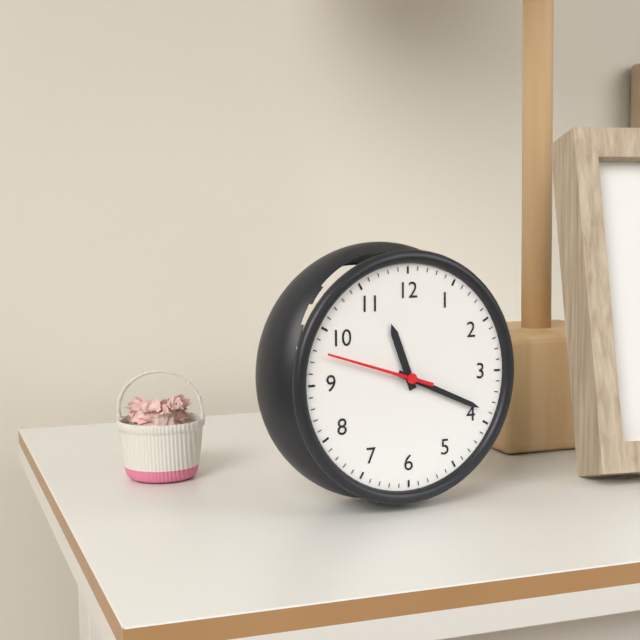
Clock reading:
11.19.48
